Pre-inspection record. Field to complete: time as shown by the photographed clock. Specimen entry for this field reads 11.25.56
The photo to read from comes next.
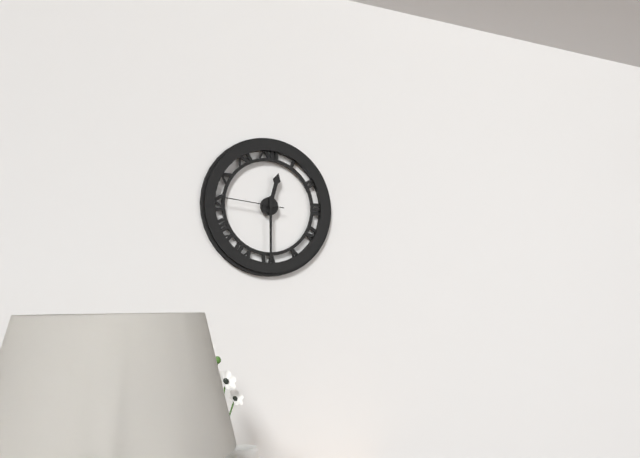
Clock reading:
12.30.46
